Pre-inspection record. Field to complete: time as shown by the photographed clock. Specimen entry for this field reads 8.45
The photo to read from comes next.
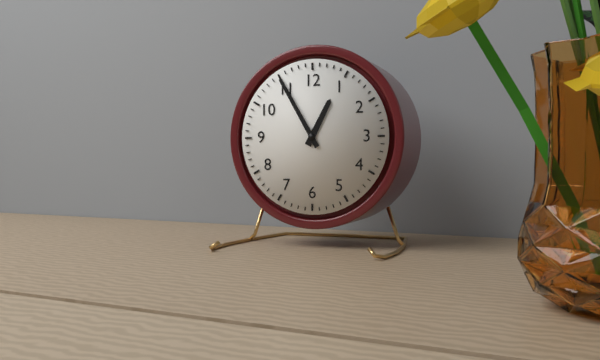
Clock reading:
12.55
